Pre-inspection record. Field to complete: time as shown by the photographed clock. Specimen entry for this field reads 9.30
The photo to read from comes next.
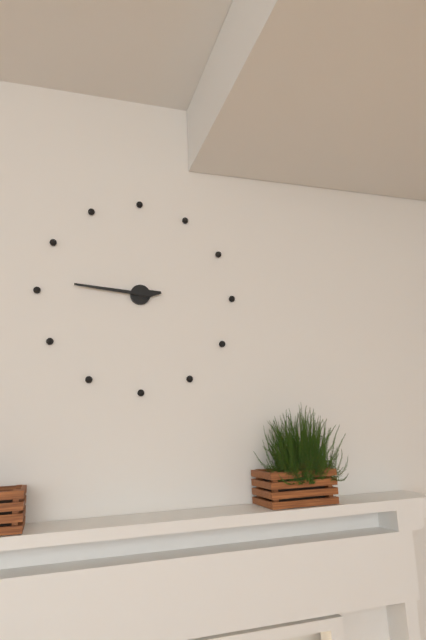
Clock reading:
2.46
